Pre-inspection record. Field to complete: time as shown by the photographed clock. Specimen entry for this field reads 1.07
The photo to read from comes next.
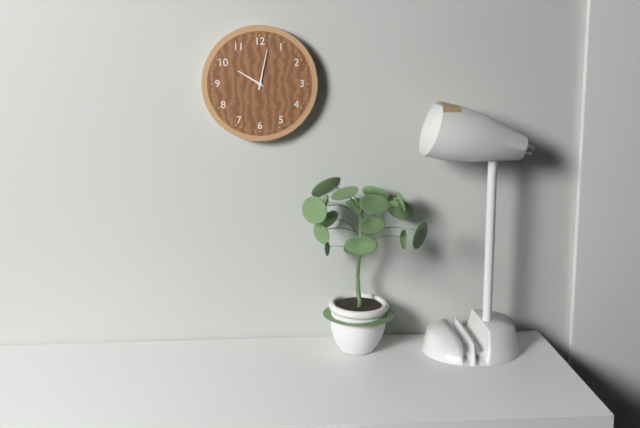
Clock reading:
10.02
